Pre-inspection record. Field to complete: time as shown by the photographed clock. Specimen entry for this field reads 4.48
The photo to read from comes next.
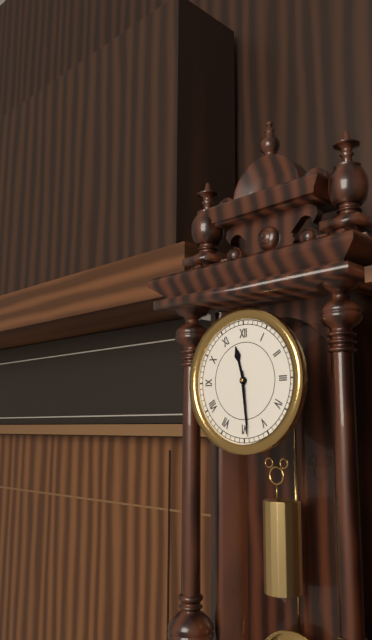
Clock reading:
11.29
